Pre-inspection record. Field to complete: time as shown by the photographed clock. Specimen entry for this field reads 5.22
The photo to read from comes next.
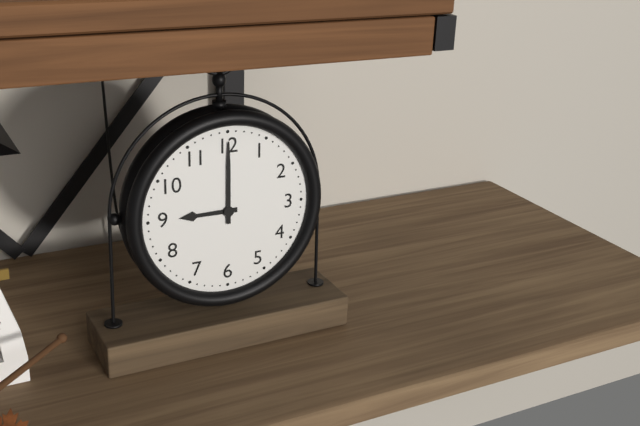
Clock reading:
9.00
